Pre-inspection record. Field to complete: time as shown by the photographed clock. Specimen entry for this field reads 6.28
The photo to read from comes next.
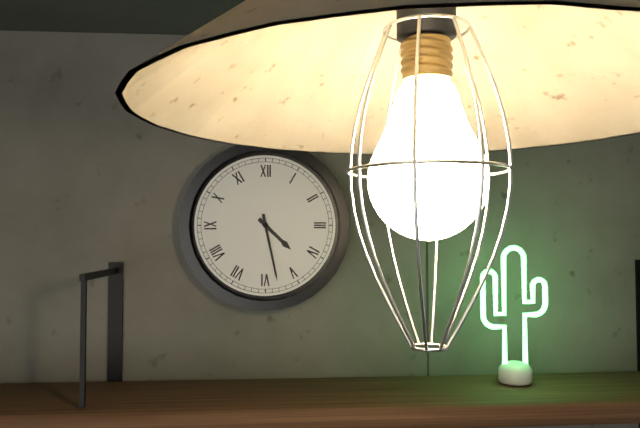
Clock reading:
4.28
